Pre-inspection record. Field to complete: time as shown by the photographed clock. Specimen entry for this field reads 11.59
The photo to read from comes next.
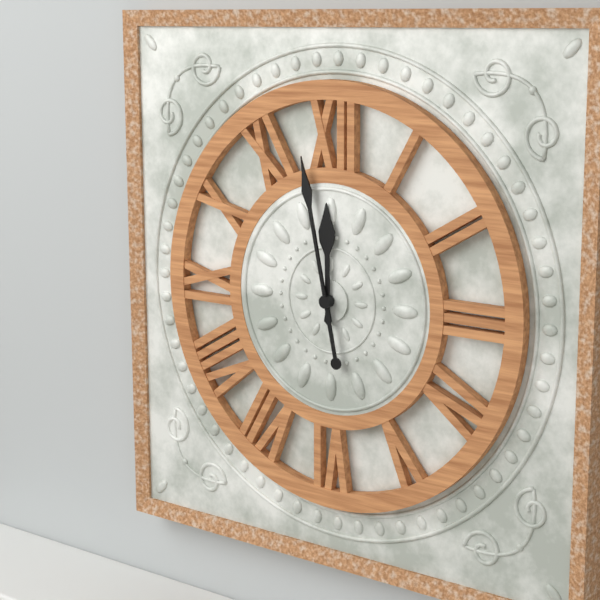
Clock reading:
11.58
